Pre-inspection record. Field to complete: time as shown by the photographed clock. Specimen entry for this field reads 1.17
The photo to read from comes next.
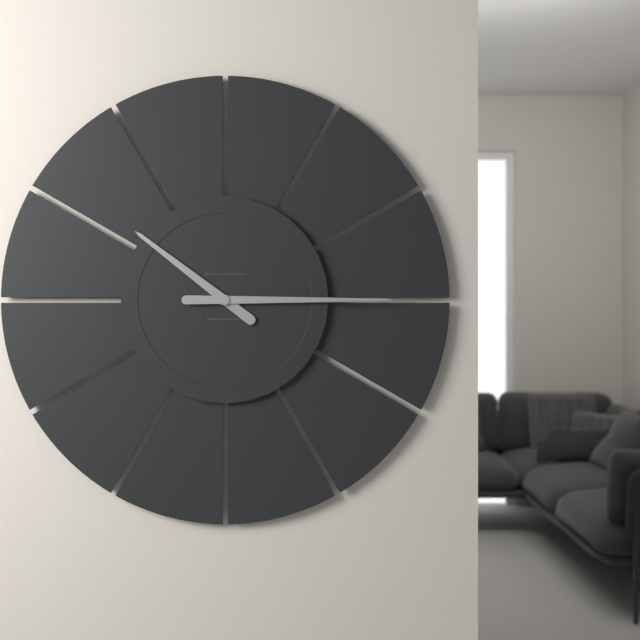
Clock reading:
10.15
